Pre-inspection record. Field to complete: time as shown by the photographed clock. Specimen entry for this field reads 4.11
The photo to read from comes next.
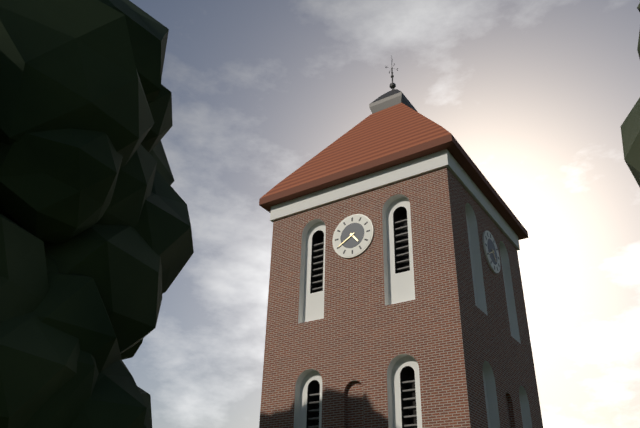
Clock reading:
4.40
